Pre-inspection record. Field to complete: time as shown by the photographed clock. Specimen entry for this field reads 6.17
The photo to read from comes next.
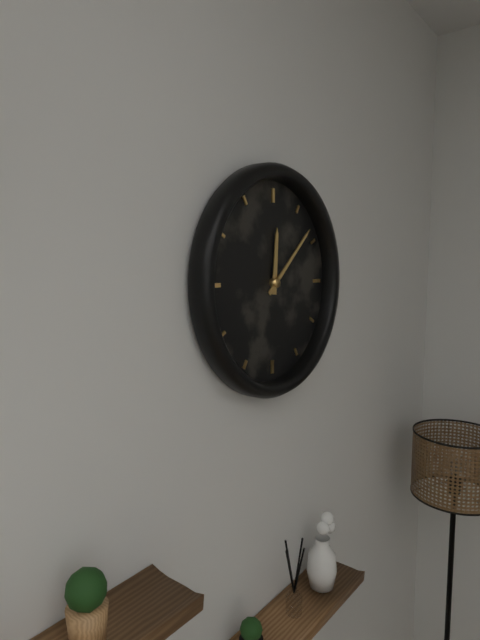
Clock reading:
12.08
